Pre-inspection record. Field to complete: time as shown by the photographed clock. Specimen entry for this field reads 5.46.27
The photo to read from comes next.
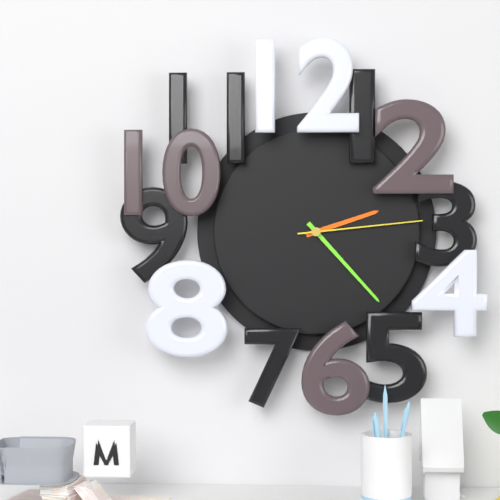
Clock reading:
2.23.14
